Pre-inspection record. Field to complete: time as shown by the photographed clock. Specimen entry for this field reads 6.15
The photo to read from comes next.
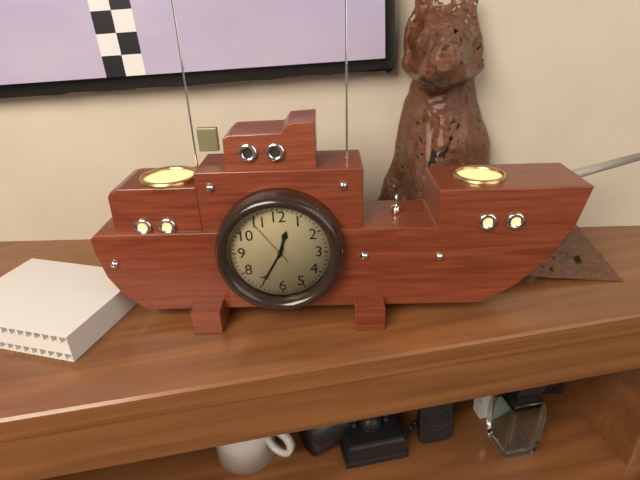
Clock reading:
12.35
